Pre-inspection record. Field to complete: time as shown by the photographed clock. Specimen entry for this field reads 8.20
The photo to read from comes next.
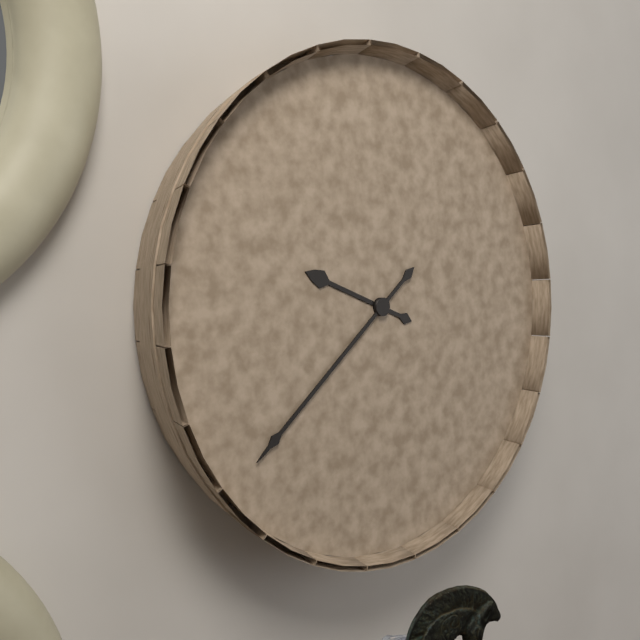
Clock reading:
9.38
